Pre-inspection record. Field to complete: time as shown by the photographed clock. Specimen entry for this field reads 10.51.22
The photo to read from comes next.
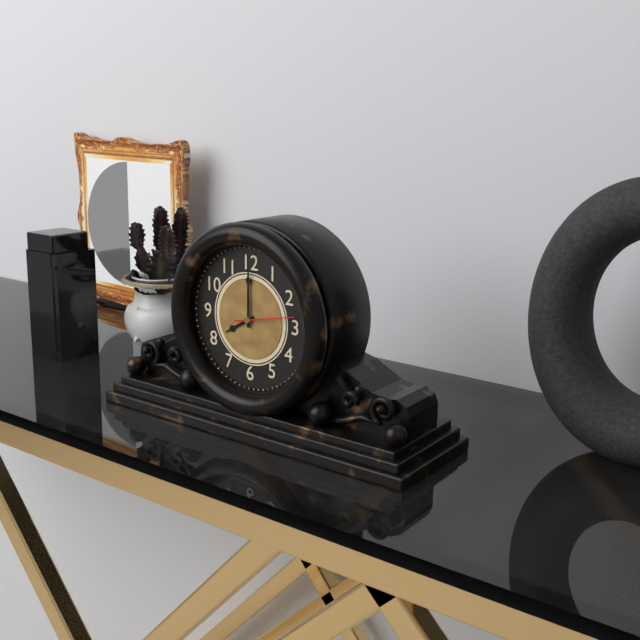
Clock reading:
8.00.13
